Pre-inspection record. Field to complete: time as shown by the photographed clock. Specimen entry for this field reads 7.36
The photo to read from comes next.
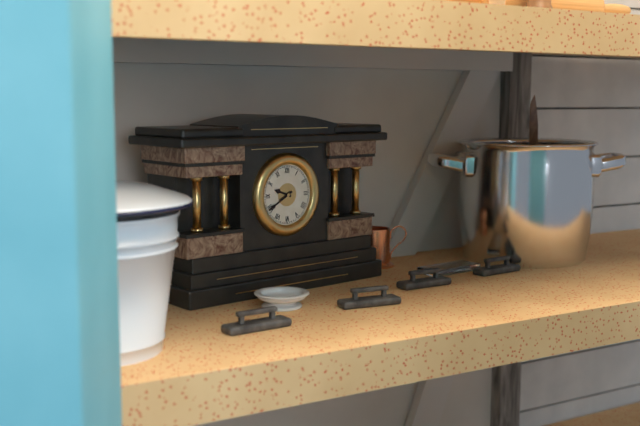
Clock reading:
9.40
